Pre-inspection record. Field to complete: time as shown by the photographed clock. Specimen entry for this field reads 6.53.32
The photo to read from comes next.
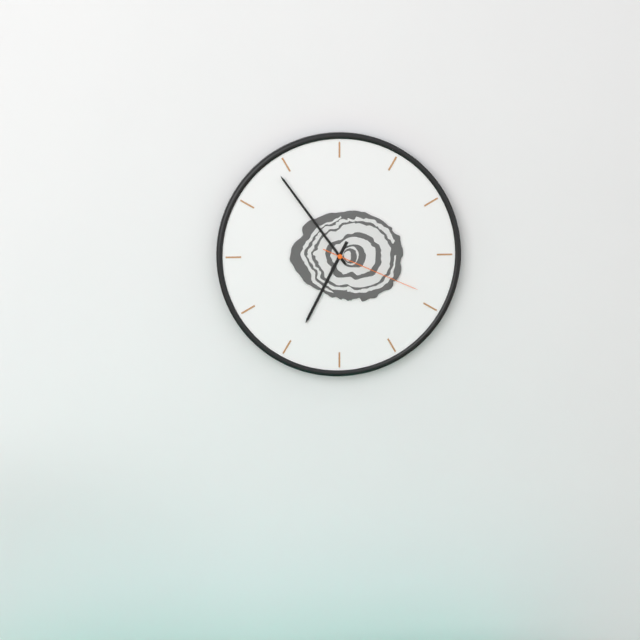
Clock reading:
6.54.19
